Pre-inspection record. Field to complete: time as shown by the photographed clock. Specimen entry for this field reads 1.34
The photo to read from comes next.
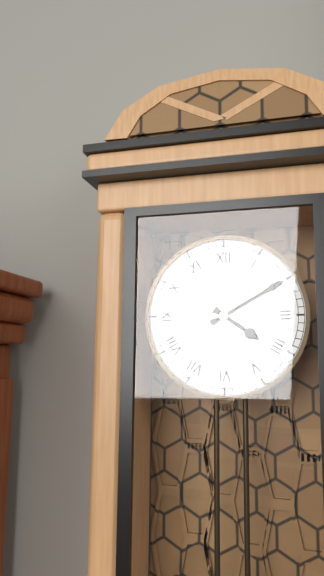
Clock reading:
4.10
